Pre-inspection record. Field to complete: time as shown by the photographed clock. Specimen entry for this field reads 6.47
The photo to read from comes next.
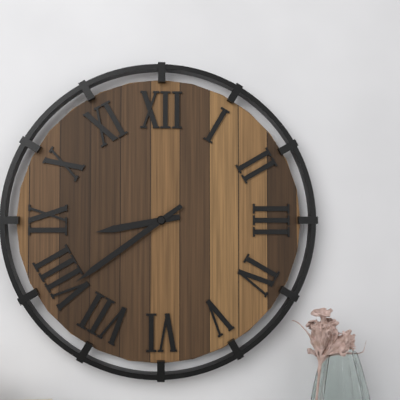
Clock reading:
8.39
